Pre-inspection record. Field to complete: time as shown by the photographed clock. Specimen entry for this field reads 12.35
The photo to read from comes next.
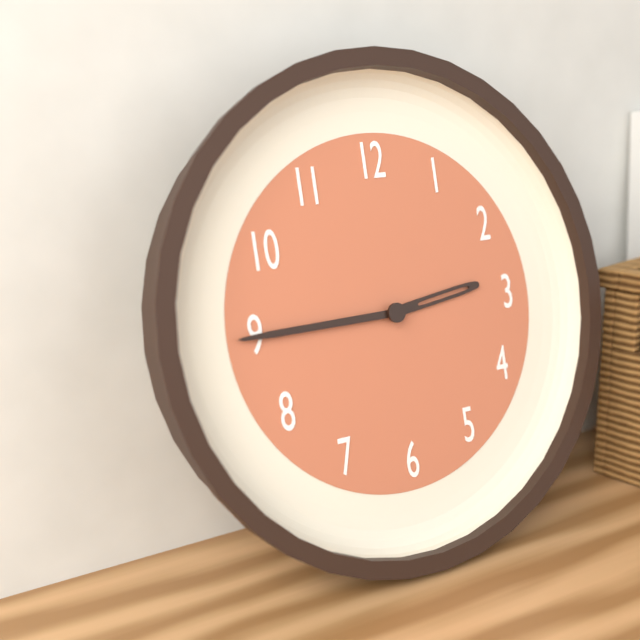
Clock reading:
2.45
